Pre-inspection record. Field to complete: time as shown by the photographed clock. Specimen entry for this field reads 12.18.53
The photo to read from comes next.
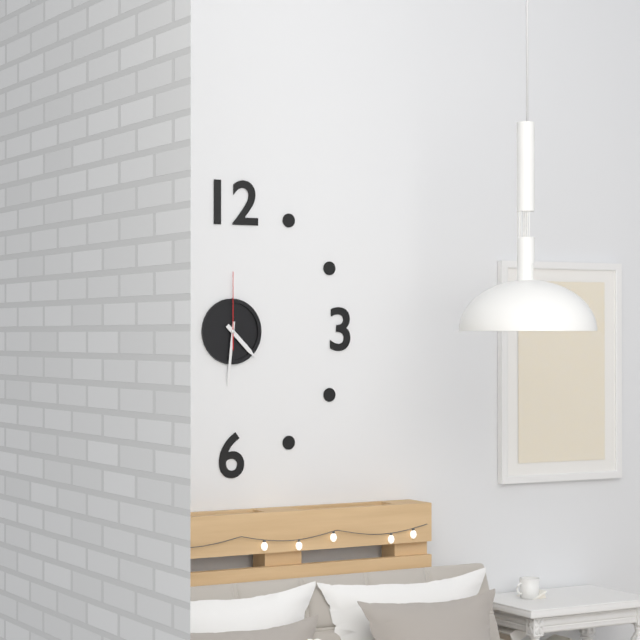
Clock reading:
4.31.00
